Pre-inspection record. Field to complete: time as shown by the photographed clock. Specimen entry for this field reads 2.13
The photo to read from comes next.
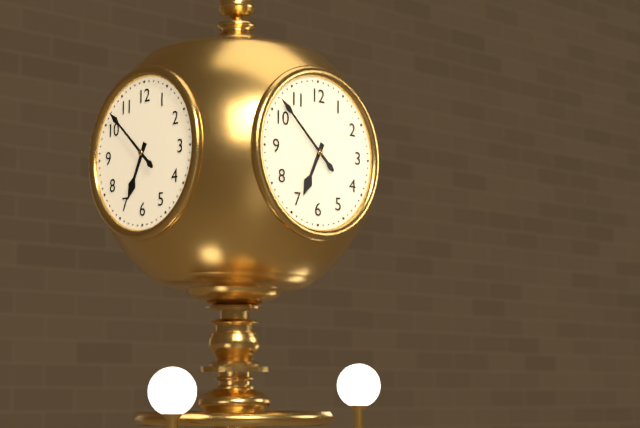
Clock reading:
6.52
